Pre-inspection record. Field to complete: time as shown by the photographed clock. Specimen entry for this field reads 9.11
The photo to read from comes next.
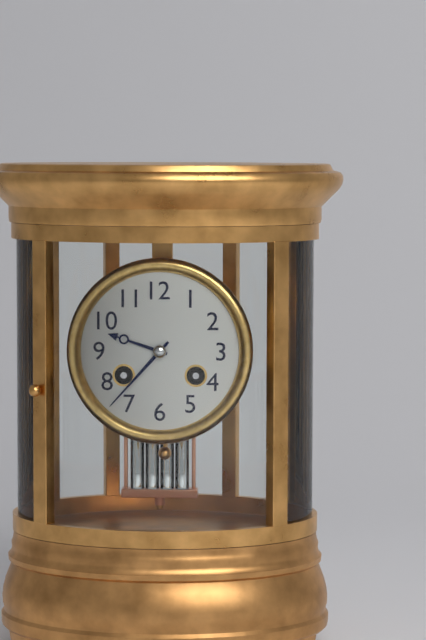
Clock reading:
9.37
